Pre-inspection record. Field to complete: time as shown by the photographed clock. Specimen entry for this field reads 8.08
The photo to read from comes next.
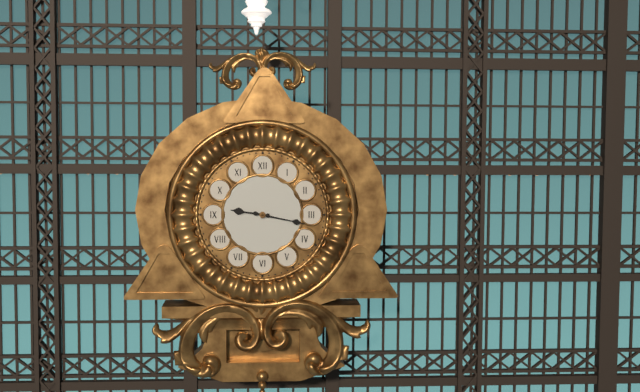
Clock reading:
9.17
